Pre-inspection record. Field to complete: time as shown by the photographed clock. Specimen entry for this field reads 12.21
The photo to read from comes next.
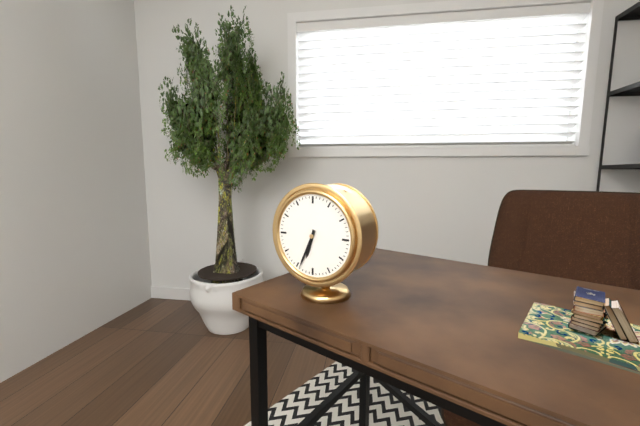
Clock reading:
6.34
